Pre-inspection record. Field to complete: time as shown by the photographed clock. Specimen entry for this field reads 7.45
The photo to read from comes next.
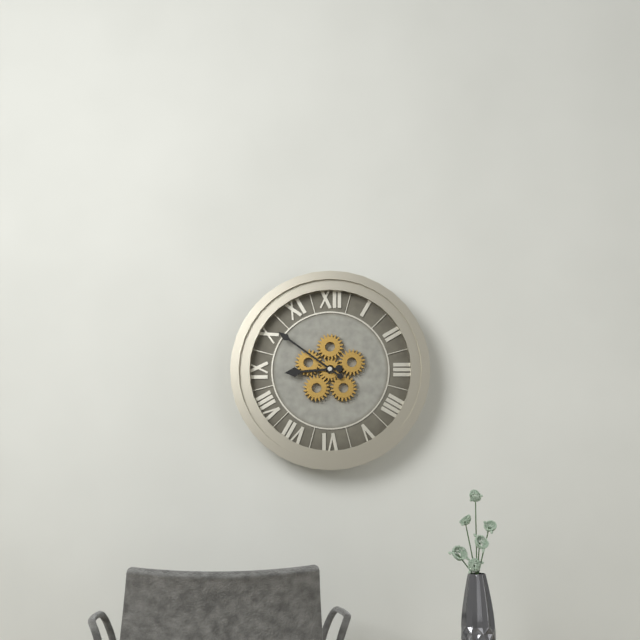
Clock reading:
8.51
